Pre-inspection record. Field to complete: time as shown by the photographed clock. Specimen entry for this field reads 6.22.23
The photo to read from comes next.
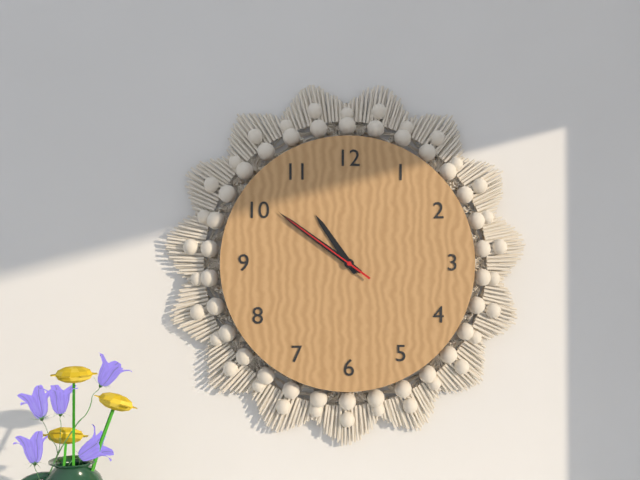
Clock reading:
10.51.51
